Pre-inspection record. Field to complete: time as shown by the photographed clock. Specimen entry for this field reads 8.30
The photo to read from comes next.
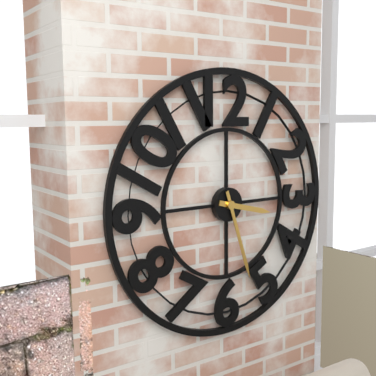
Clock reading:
3.27
